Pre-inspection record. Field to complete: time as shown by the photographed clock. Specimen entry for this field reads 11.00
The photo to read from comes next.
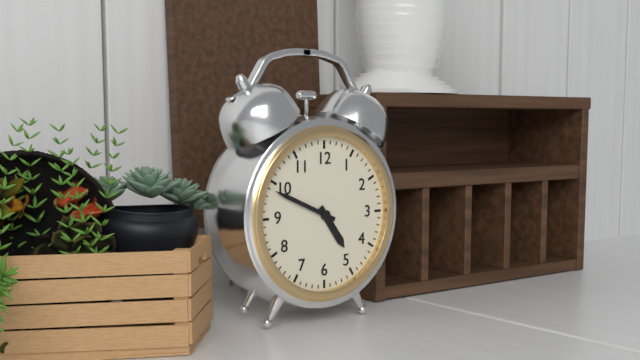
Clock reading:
4.49
